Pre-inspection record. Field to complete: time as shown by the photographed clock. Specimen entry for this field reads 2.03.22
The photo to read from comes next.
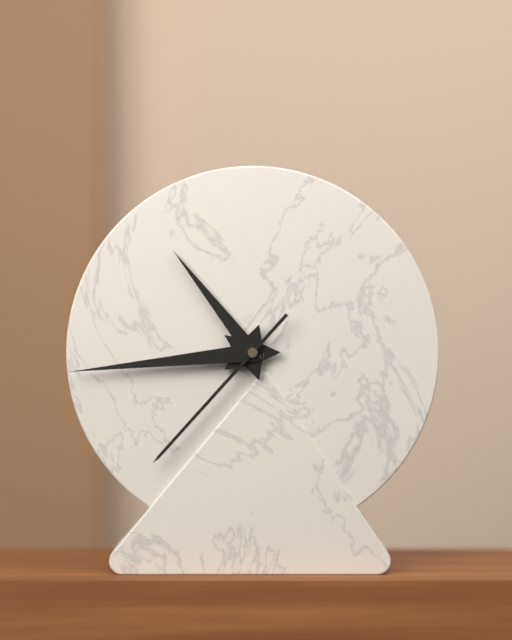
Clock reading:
10.44.37
